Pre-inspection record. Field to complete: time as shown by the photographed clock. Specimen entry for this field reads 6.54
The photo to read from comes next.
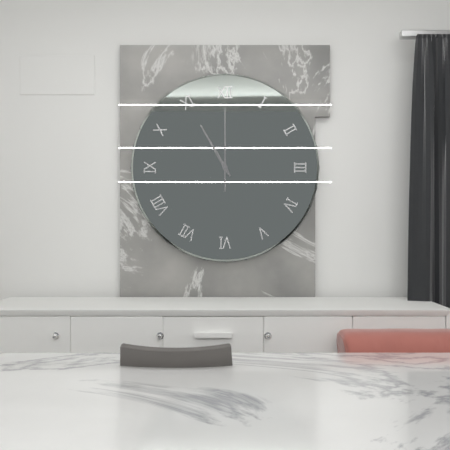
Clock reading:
11.00
